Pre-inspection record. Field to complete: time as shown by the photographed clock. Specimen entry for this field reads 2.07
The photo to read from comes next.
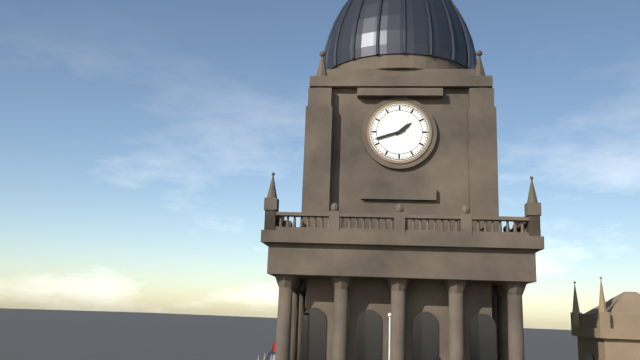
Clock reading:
1.42
